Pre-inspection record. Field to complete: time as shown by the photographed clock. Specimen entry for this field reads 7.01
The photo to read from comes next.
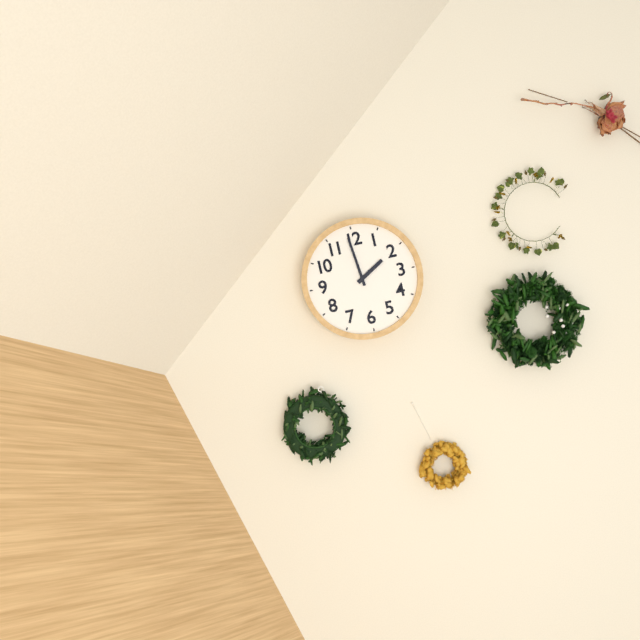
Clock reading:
1.59
